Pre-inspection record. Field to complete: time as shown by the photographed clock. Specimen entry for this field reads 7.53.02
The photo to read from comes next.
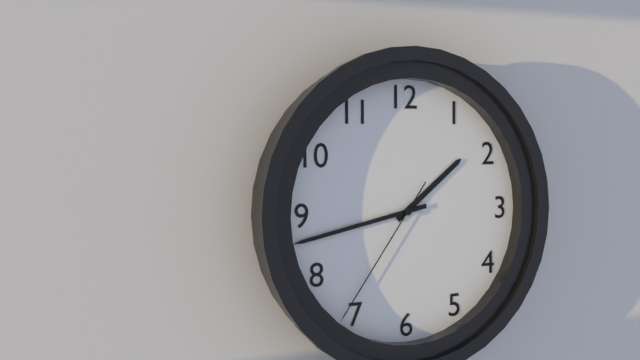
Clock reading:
1.43.36
